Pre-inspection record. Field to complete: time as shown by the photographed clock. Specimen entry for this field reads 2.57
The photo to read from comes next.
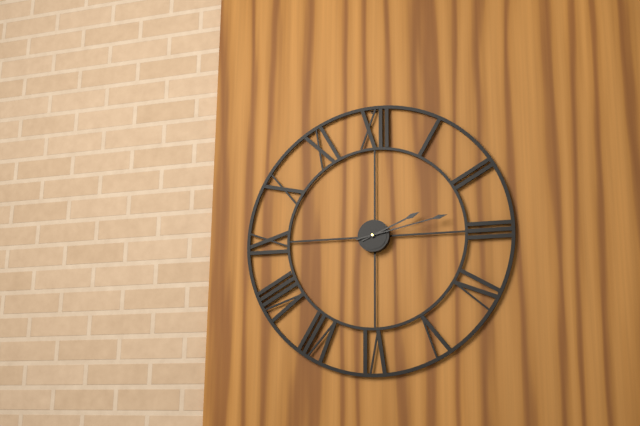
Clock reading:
2.13
